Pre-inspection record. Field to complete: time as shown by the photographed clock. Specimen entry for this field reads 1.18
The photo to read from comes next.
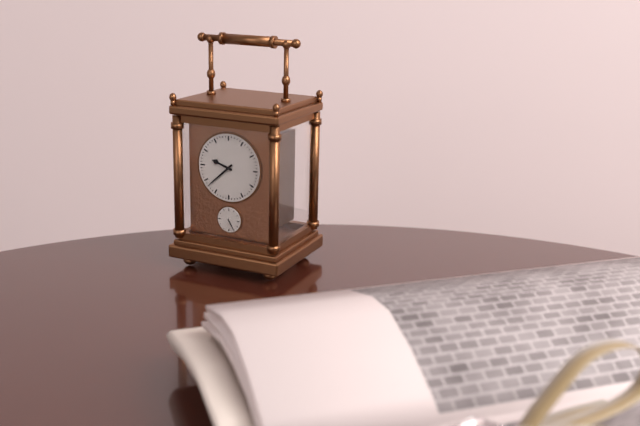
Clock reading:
9.38
